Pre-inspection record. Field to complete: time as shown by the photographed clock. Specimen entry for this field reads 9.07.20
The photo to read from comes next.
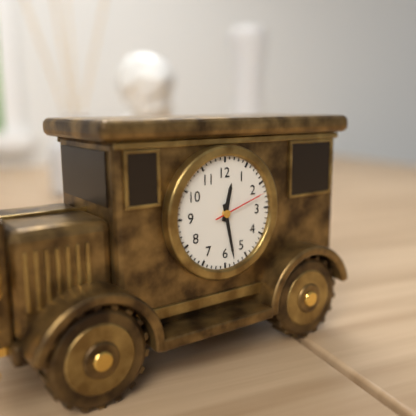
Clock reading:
12.28.12
